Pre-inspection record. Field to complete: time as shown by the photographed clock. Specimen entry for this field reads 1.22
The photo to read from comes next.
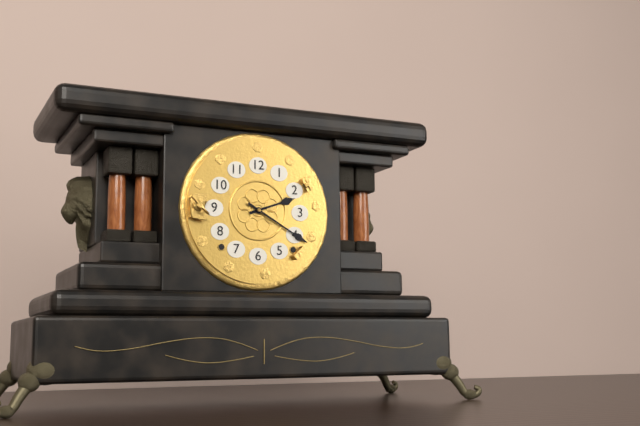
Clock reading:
2.20
